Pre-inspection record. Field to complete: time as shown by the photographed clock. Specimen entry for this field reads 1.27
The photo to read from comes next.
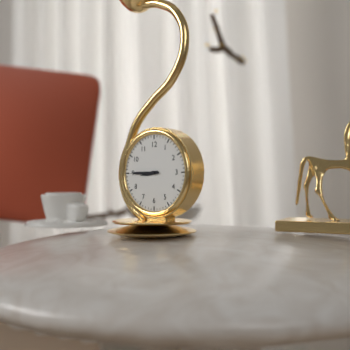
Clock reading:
8.45
